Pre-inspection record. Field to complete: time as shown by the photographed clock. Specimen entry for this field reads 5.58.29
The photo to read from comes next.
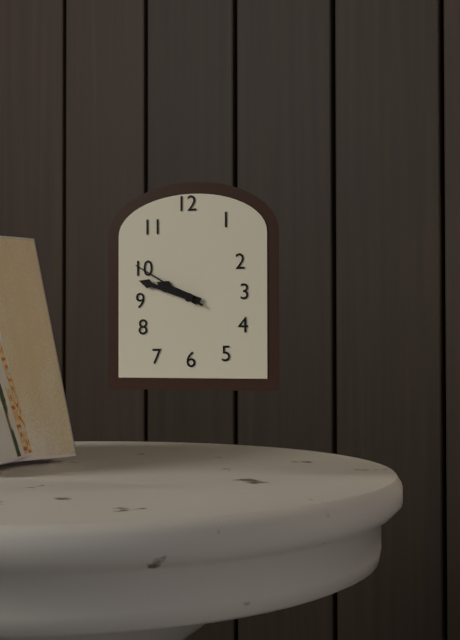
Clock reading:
9.48.50
